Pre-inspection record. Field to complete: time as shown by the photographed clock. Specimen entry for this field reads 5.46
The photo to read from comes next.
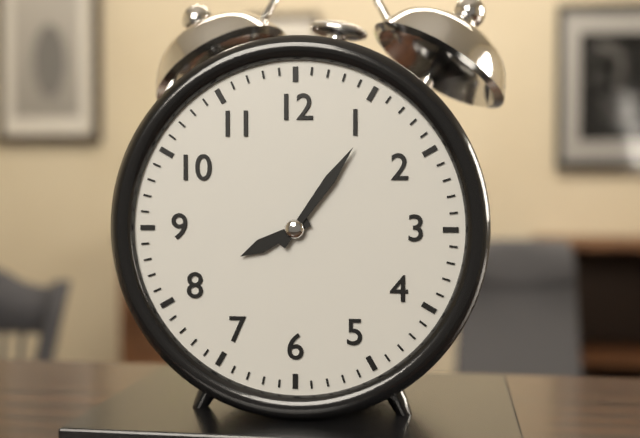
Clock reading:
8.06
